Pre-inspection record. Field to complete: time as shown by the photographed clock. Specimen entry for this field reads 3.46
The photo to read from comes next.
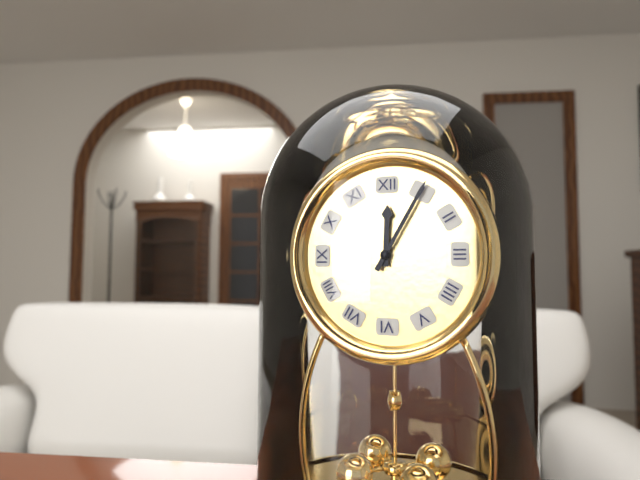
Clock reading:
12.05
